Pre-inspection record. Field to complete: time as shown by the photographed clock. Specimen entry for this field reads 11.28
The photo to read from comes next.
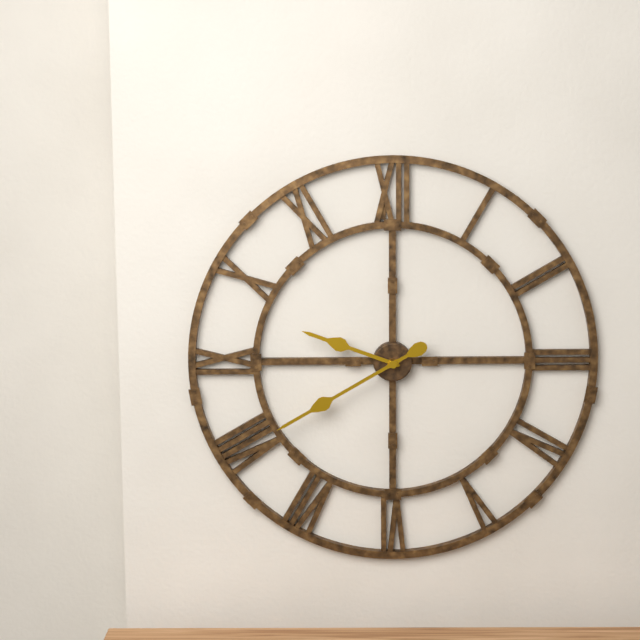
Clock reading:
9.40
